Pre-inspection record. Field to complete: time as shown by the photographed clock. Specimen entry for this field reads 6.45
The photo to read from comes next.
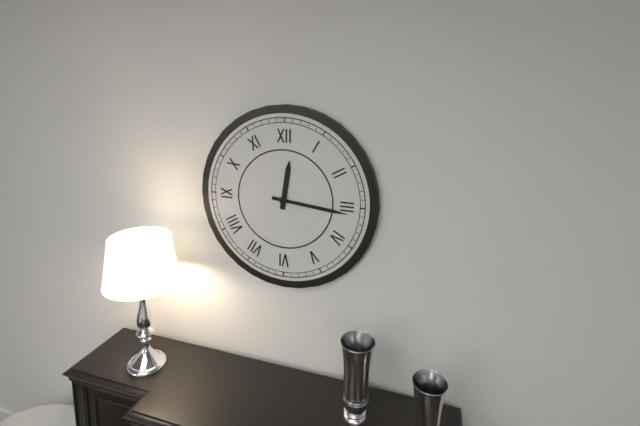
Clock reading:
12.16
